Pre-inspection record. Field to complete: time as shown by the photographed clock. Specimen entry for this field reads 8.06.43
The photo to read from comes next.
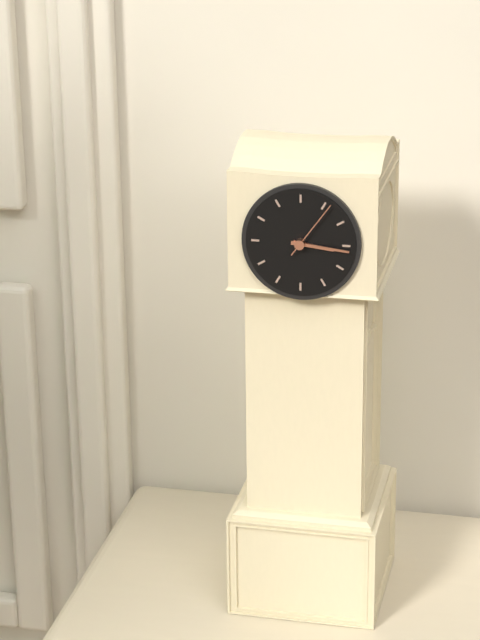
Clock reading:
3.16.06
